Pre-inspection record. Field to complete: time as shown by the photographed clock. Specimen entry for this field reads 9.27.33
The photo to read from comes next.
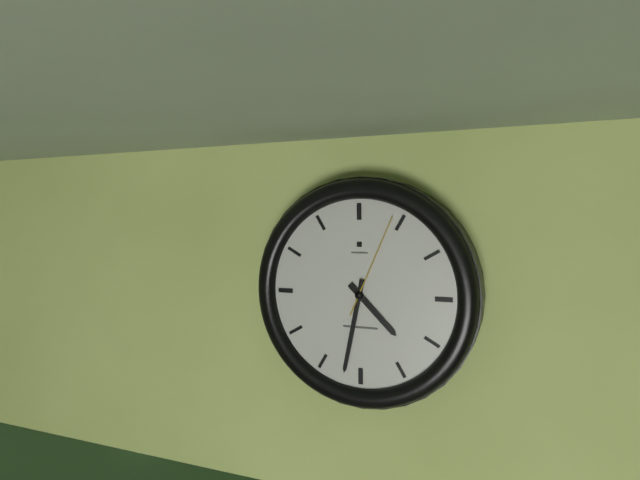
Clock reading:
4.32.04
